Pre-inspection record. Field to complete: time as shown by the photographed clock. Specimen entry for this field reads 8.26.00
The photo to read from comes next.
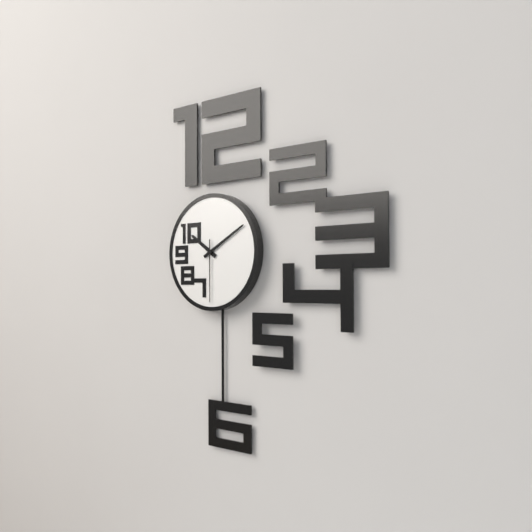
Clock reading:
10.10.30
